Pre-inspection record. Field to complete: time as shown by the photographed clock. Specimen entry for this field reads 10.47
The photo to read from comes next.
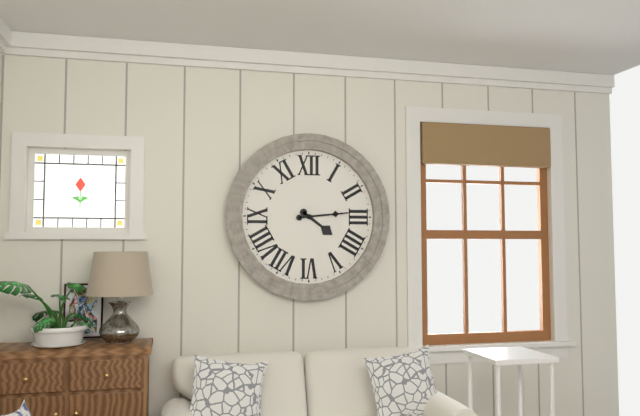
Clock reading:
4.14
